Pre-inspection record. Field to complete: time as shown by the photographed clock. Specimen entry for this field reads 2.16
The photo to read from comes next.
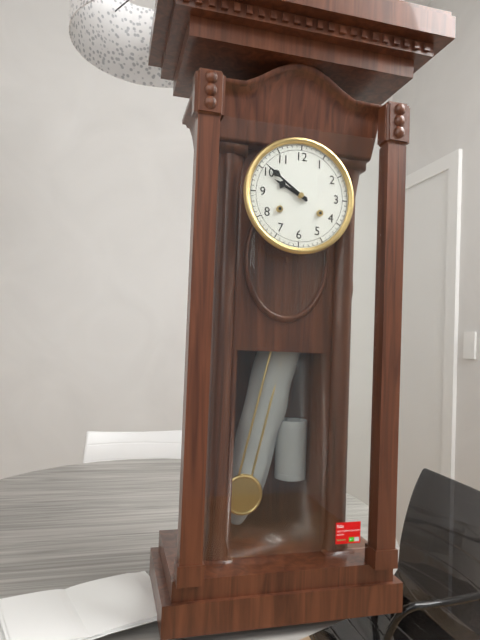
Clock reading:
9.51
